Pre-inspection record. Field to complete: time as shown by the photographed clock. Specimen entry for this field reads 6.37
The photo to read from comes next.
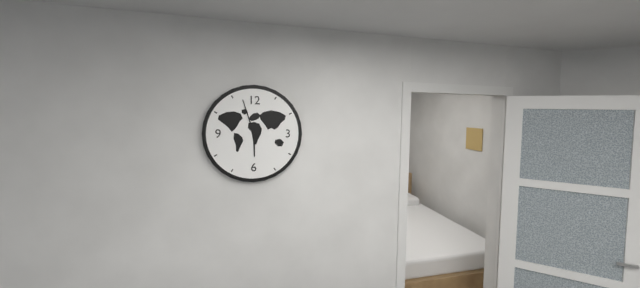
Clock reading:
5.57
